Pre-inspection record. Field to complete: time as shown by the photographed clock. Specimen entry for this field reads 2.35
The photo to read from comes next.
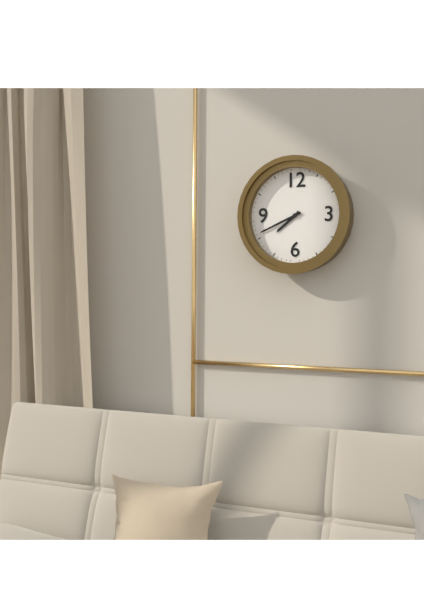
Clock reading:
7.41
